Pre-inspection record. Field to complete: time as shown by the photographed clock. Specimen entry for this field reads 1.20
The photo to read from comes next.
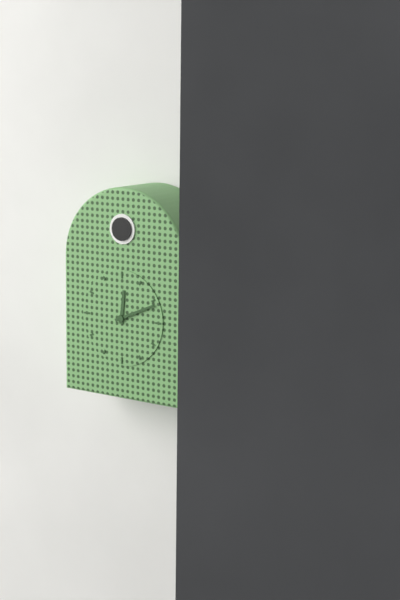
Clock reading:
12.11
